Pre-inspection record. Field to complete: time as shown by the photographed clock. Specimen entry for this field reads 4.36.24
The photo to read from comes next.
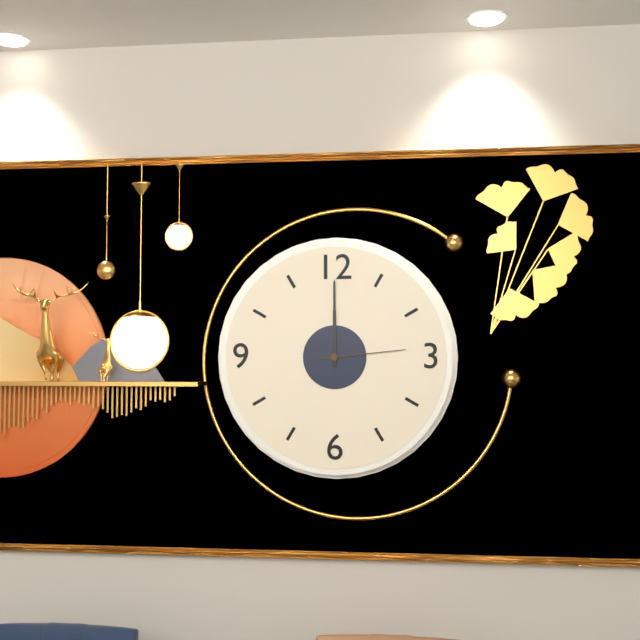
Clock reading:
12.00.14
